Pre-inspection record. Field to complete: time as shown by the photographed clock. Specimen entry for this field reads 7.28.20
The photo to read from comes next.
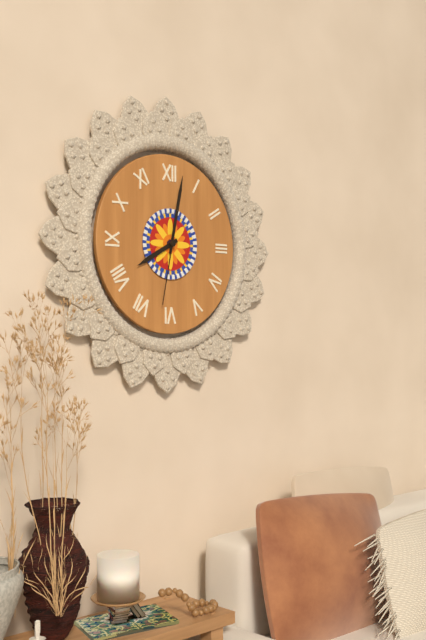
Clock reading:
8.02.32
